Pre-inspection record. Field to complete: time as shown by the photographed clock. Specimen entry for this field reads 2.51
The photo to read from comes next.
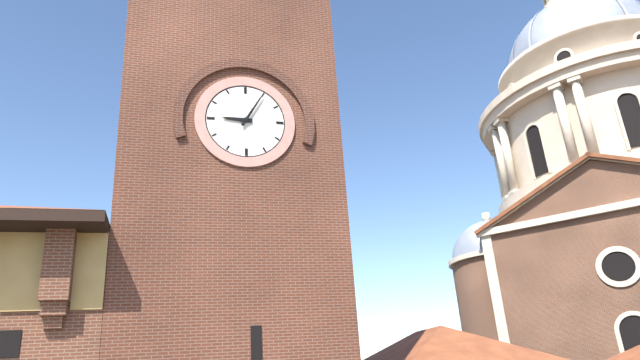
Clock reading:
9.05
